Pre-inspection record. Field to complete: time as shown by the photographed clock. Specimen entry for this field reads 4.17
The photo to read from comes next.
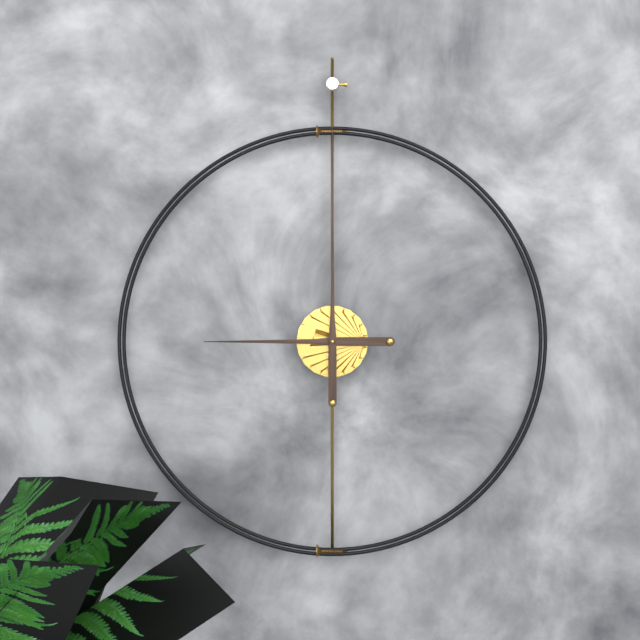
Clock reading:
9.00
